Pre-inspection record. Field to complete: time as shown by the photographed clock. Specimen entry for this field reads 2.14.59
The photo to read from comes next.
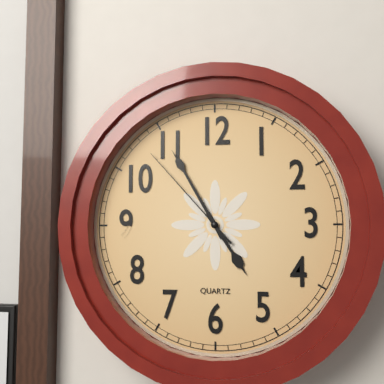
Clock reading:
4.55.53
